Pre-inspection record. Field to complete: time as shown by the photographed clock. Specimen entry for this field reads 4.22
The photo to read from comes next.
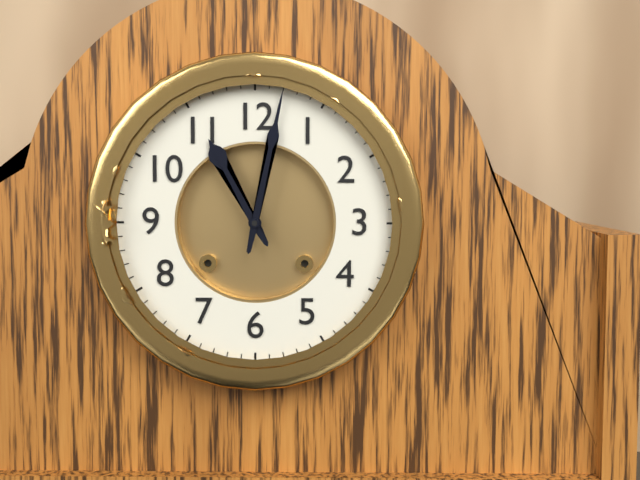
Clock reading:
11.02
